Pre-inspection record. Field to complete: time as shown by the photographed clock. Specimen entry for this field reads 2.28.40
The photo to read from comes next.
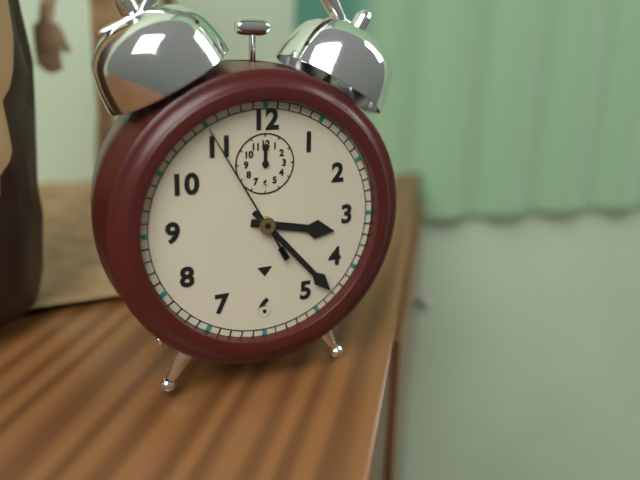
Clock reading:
3.23.55
